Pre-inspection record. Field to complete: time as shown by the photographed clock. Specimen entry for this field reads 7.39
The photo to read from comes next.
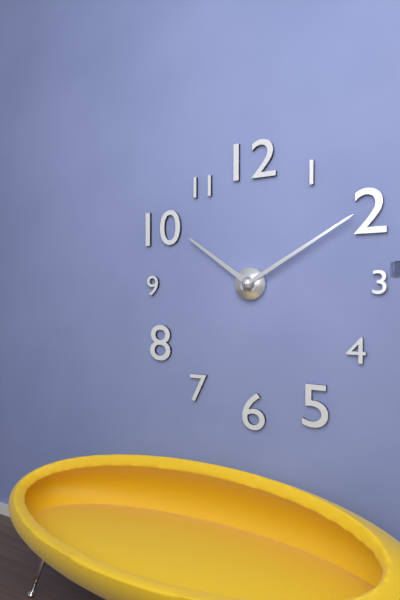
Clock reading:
10.10
